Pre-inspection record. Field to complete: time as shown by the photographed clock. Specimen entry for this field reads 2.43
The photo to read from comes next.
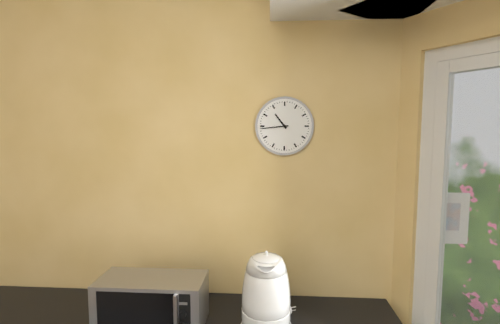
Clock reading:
10.44
